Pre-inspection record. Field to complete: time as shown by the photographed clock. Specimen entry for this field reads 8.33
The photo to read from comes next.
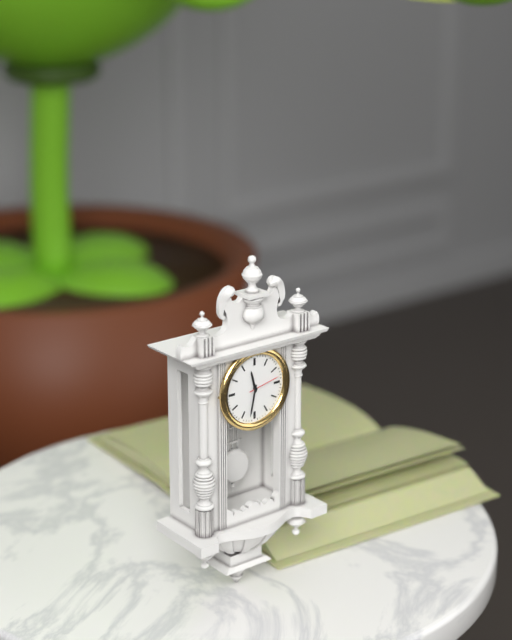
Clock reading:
11.32
